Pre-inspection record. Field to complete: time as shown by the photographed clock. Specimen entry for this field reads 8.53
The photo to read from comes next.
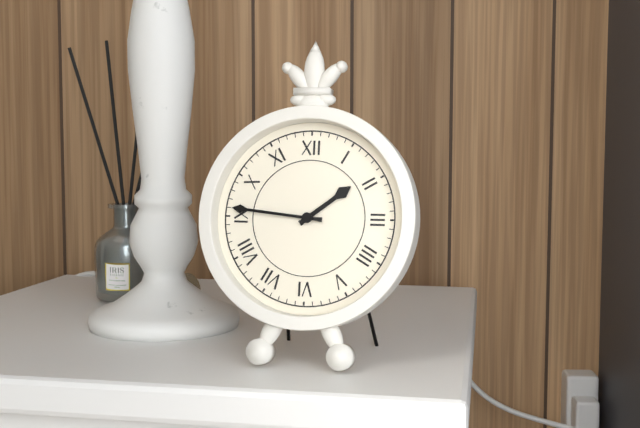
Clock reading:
1.46
